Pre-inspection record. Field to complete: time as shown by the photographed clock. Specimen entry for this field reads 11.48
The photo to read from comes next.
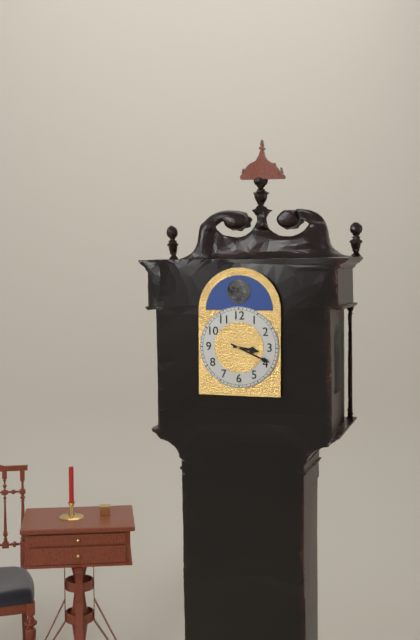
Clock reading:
3.19
